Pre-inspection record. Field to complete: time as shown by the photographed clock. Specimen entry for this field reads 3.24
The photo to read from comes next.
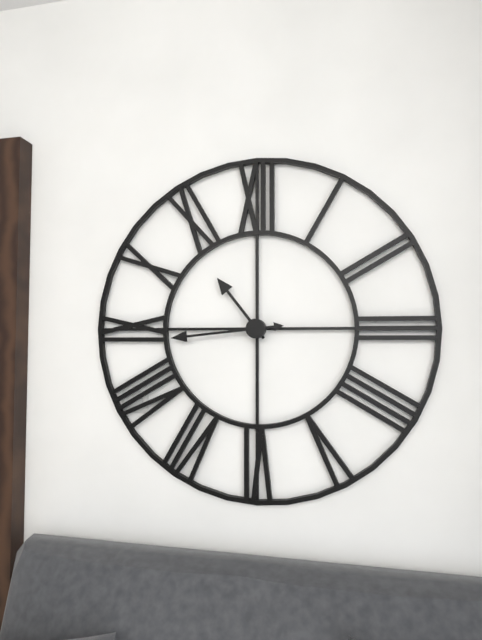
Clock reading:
10.44
